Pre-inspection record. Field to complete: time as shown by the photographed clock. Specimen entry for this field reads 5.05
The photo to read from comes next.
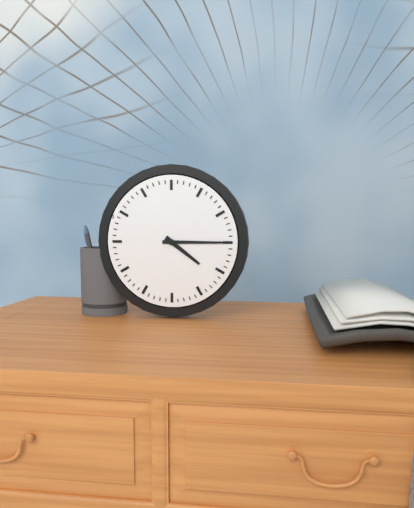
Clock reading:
4.15
